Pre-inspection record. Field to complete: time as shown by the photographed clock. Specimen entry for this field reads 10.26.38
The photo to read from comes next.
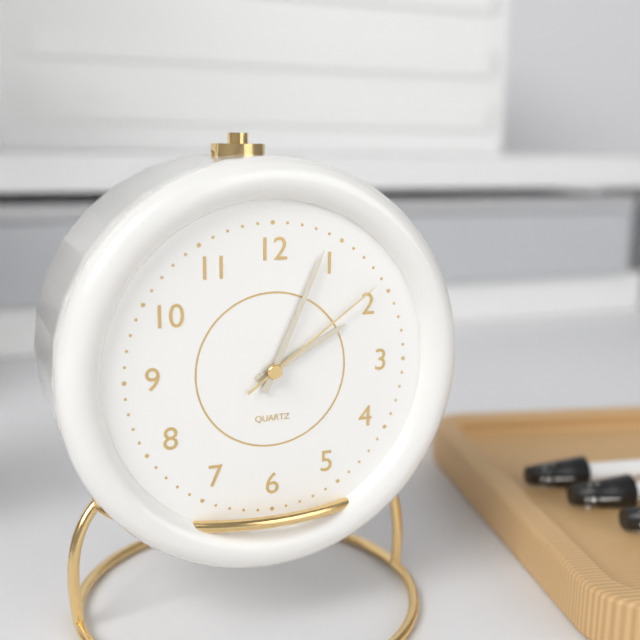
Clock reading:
2.04.09
